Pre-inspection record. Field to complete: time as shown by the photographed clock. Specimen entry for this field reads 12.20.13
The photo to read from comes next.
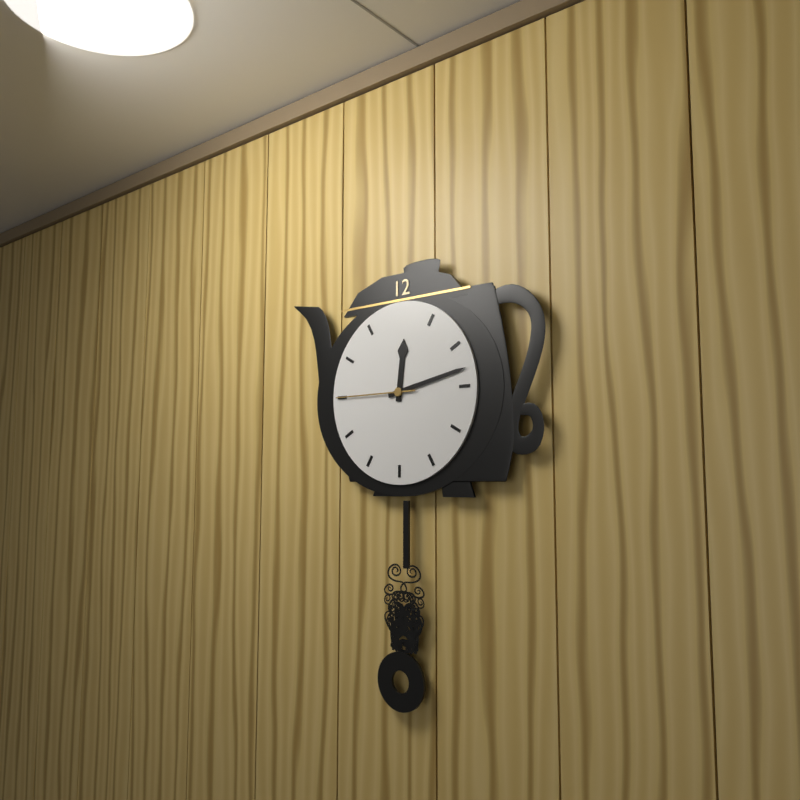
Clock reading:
12.13.45
